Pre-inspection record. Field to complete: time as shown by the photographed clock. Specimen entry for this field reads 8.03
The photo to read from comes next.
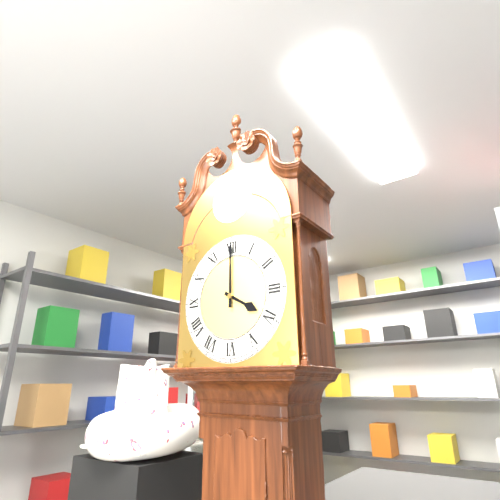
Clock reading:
4.00
